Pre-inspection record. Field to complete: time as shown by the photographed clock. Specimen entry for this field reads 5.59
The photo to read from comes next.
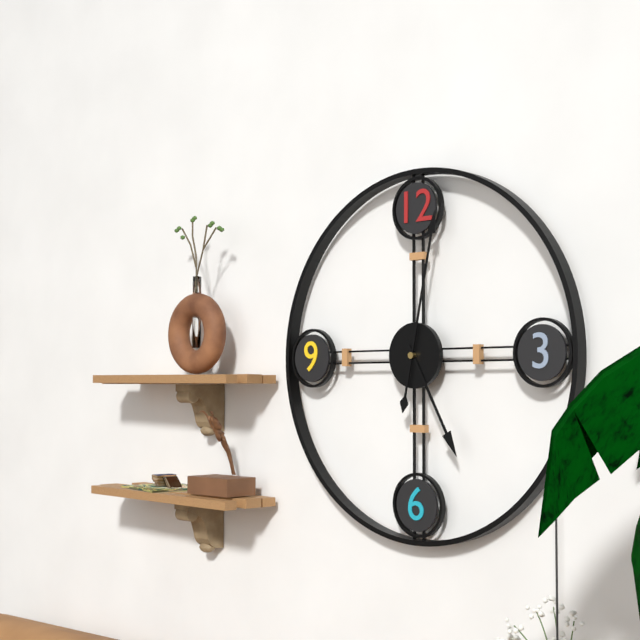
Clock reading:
5.02
